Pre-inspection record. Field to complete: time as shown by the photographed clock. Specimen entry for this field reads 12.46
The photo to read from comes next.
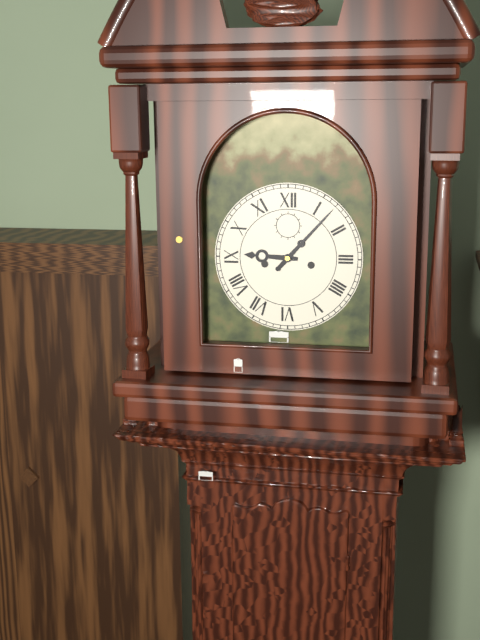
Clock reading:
9.07
